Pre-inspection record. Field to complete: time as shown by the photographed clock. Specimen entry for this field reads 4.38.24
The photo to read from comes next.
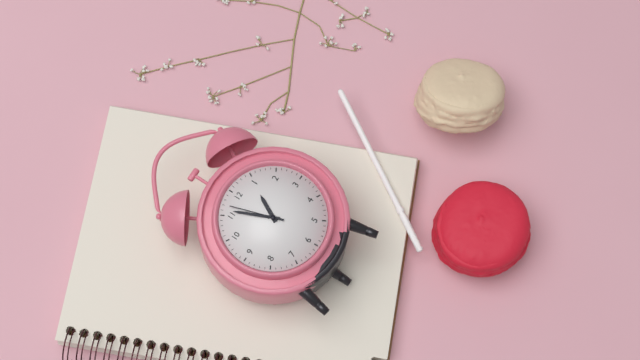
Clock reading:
12.56.57
